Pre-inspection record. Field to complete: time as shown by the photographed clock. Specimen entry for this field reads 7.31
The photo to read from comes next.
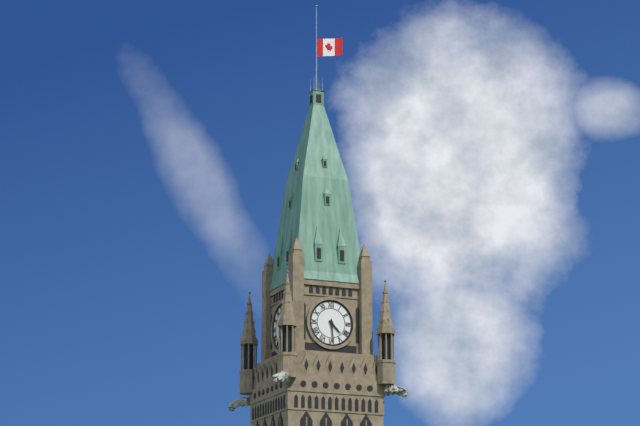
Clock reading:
4.29
